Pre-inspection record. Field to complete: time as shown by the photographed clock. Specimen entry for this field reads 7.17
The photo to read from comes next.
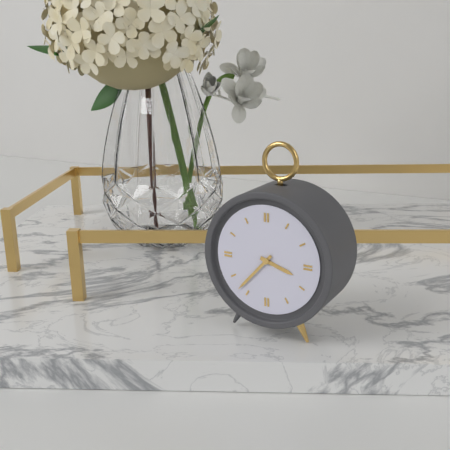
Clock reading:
3.37
